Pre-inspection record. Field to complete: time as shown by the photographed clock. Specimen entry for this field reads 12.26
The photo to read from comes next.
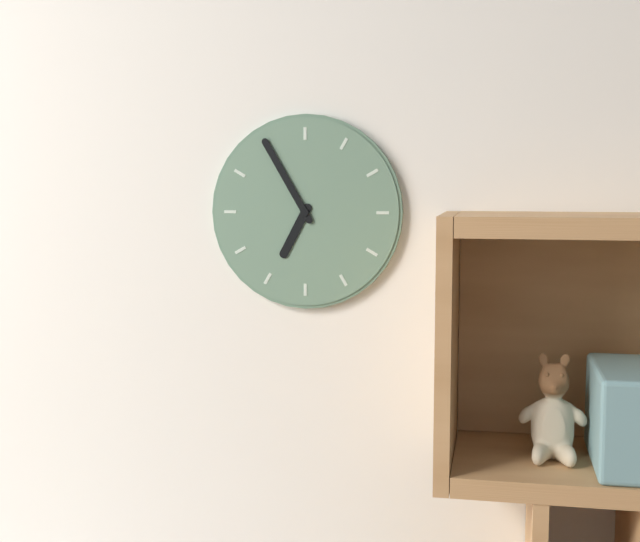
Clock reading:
6.55
